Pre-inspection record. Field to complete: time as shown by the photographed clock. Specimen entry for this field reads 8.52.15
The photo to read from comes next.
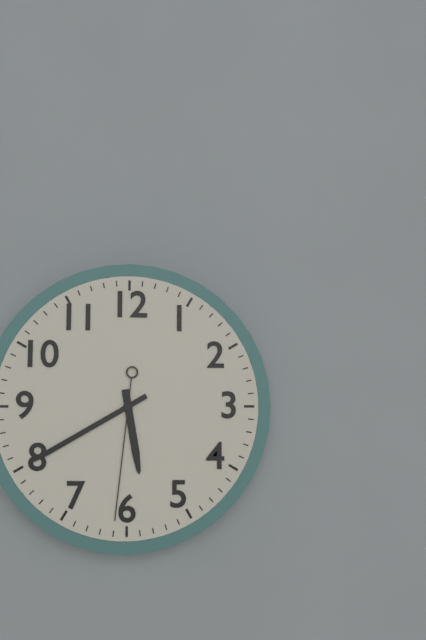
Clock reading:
5.40.31
